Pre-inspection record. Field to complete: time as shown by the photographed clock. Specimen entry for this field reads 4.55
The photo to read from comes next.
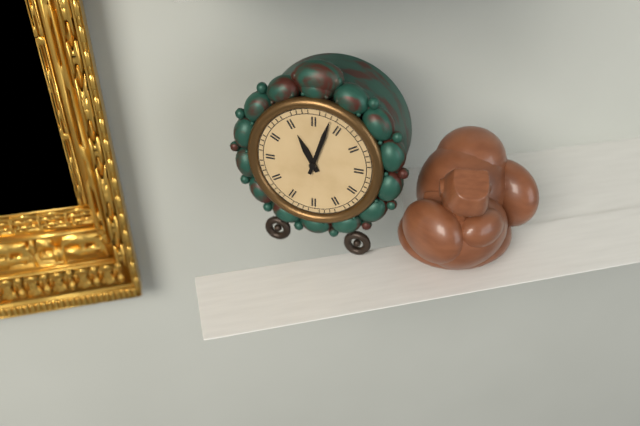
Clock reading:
11.03
